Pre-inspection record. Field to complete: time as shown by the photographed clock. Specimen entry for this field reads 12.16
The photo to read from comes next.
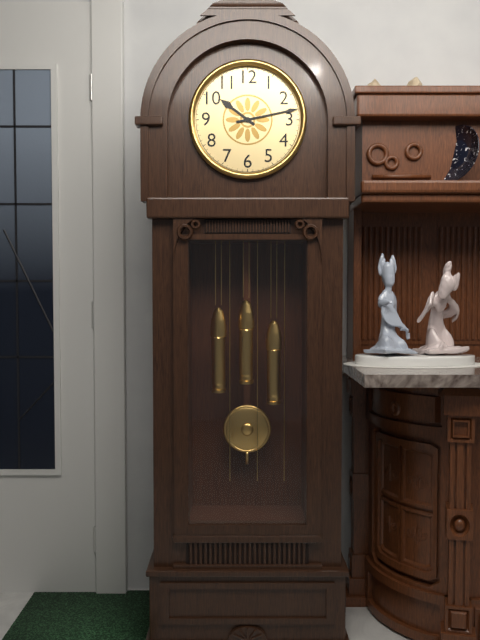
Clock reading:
10.13
